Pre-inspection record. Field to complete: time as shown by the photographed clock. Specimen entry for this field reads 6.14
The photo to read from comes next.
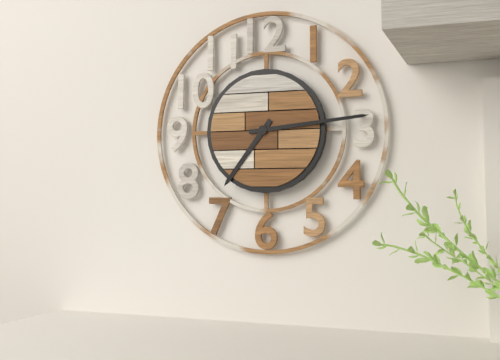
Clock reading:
7.14
